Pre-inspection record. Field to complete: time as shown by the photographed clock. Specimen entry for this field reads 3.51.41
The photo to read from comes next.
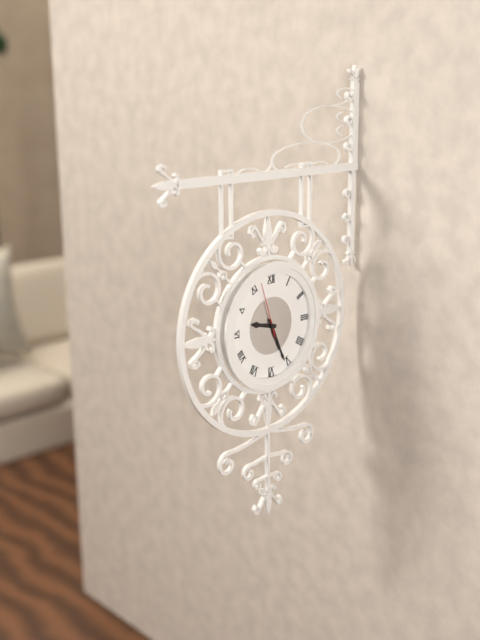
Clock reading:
9.26.57
